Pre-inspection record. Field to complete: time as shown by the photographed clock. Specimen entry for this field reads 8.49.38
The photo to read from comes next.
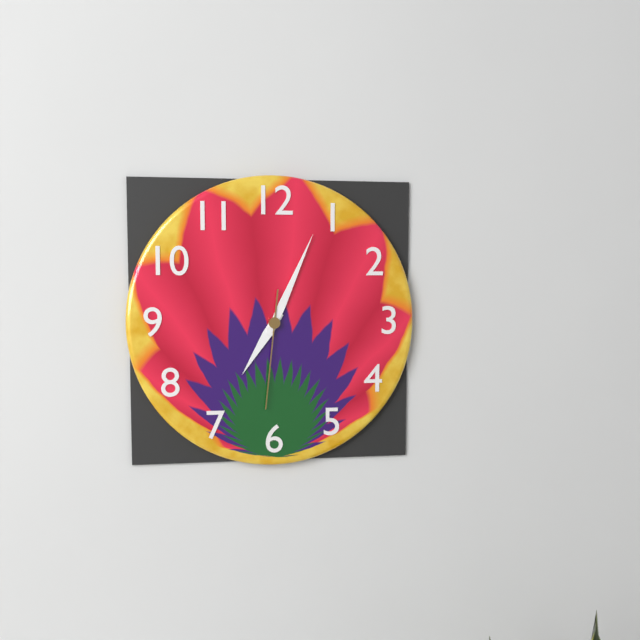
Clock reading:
7.04.31
